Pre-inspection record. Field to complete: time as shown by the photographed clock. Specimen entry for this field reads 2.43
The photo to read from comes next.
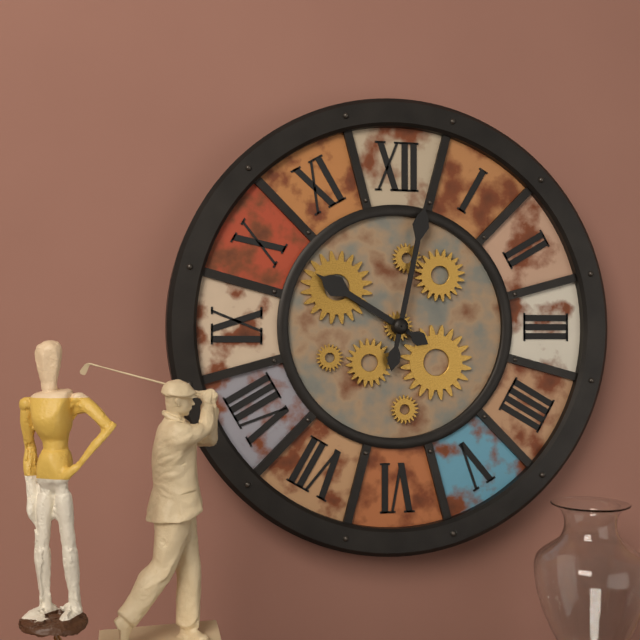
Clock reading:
10.02
